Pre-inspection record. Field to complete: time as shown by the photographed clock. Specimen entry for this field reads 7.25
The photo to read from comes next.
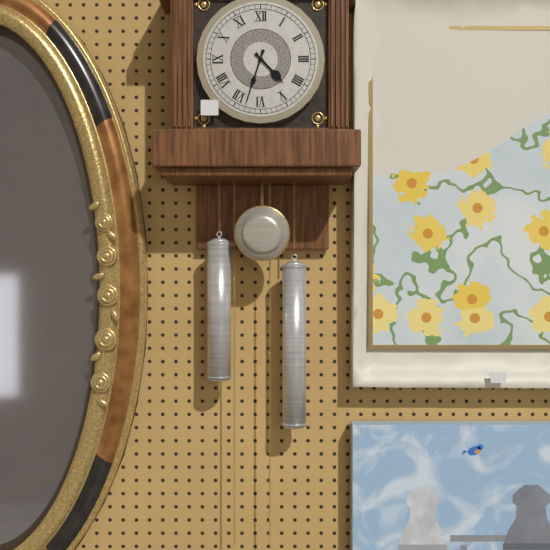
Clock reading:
4.33
